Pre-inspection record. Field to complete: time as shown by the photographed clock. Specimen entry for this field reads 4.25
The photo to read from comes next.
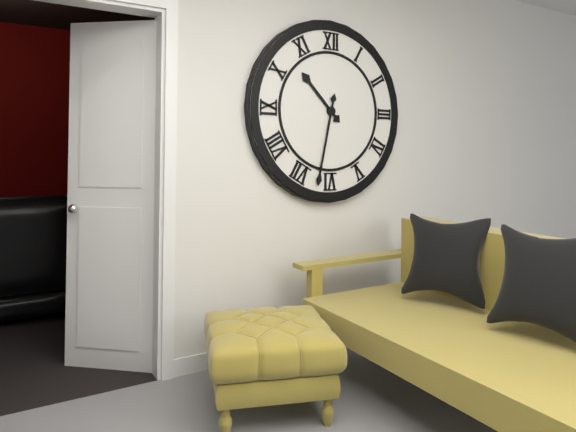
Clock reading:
10.32
